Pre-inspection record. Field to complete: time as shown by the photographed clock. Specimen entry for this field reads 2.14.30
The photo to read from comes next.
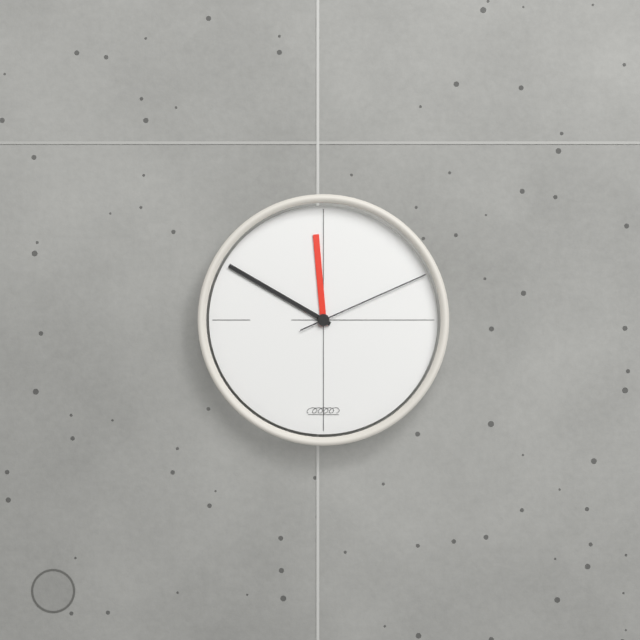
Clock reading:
11.50.11
